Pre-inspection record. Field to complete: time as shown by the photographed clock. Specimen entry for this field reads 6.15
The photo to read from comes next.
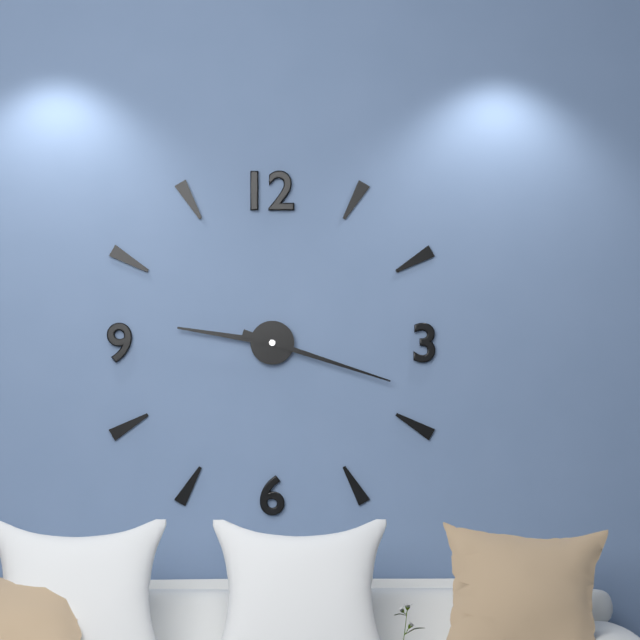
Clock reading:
9.18
